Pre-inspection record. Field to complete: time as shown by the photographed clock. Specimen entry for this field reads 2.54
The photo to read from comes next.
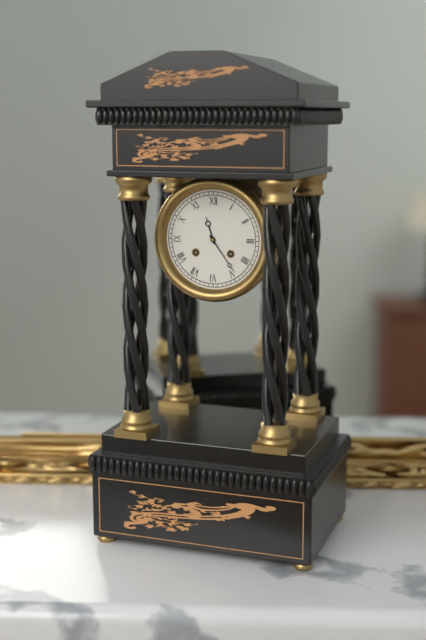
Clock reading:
11.24
